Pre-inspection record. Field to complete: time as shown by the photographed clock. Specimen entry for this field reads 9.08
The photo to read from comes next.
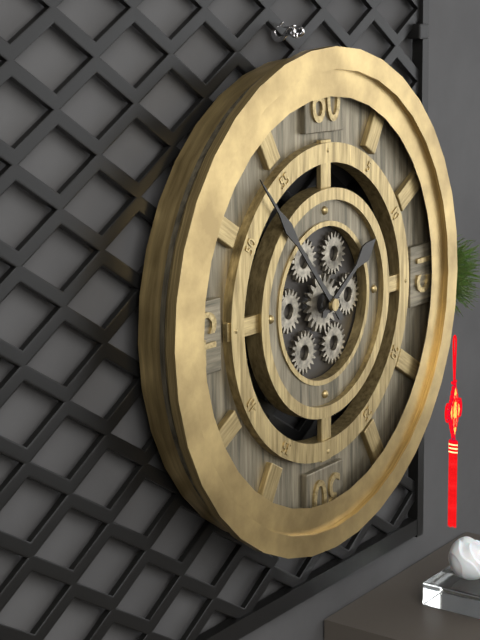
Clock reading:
1.53
